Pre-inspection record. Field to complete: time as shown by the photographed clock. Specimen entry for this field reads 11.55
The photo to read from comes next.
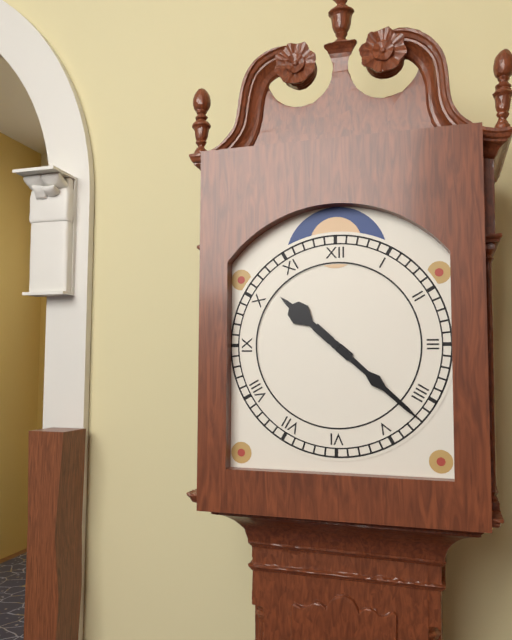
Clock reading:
10.22
